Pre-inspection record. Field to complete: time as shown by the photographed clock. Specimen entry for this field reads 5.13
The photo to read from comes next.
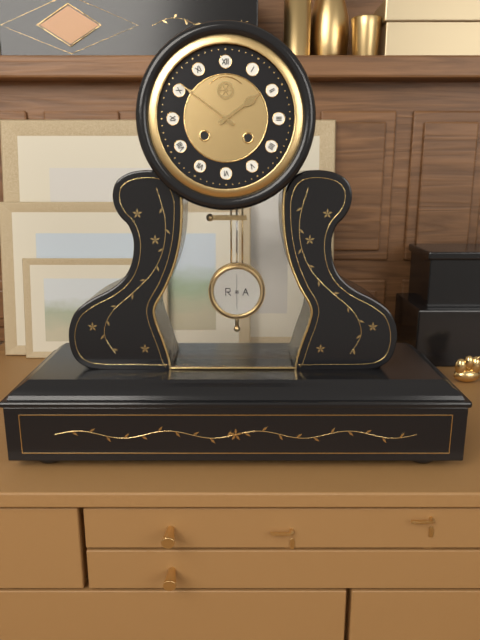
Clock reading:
1.51
